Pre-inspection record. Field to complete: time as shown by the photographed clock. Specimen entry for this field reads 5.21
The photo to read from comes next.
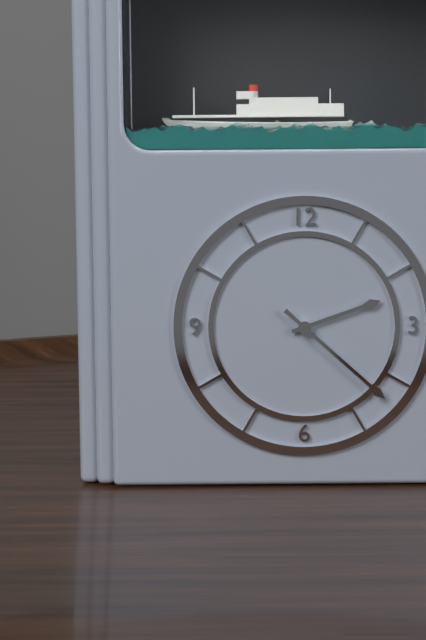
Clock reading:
2.22
